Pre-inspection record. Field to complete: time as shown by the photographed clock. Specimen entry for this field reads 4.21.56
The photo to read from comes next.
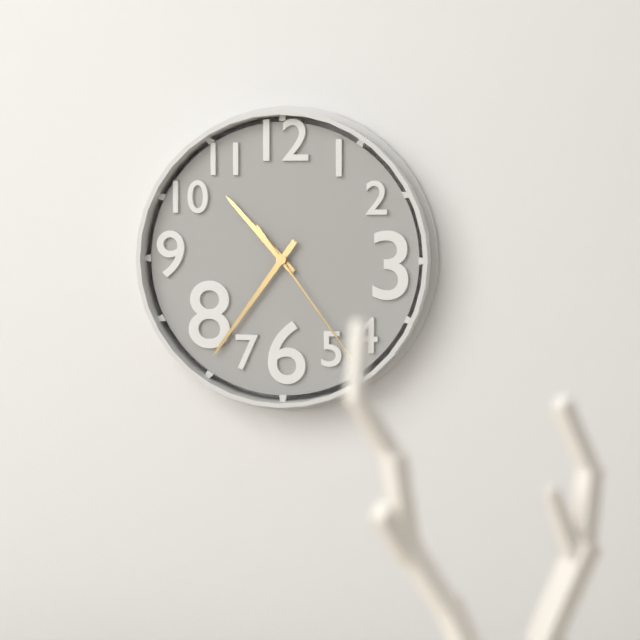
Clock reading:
10.36.24
